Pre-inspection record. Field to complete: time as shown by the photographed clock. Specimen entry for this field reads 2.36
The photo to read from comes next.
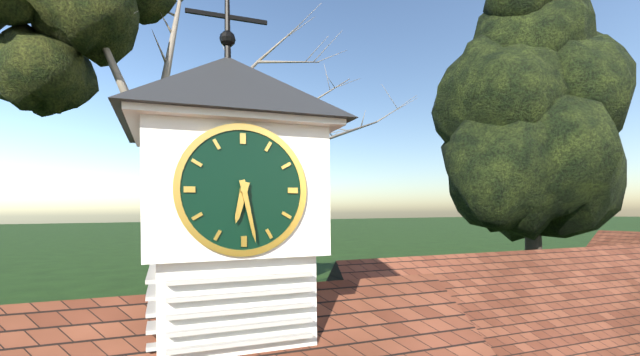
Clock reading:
6.28
